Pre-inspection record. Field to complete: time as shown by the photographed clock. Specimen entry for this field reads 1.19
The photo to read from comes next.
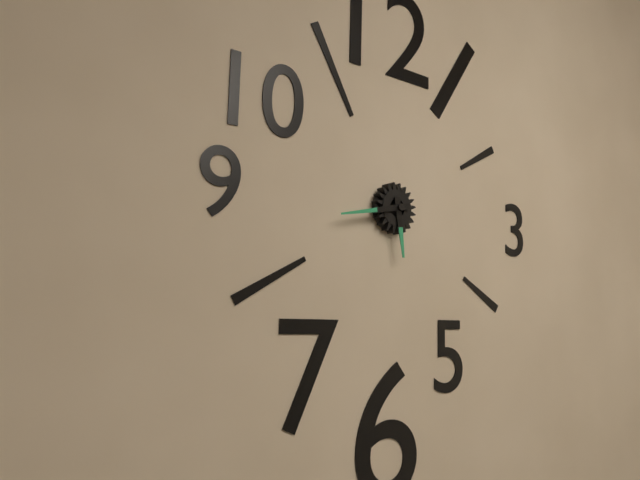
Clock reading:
5.43
